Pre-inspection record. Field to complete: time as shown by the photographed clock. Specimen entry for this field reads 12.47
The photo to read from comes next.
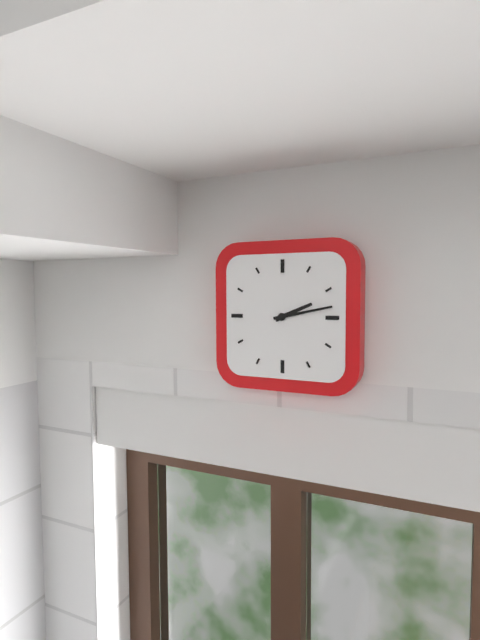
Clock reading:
2.13
